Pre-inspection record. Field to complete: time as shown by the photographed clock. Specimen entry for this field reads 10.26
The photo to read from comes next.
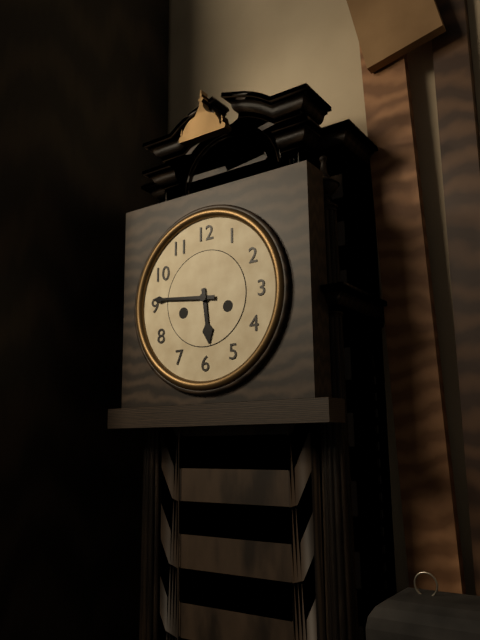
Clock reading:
5.46
